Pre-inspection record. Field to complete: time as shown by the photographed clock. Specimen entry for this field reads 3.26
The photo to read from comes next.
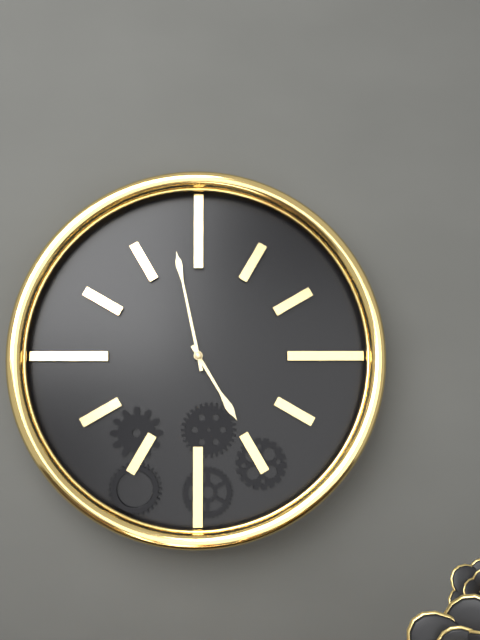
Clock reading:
4.58
